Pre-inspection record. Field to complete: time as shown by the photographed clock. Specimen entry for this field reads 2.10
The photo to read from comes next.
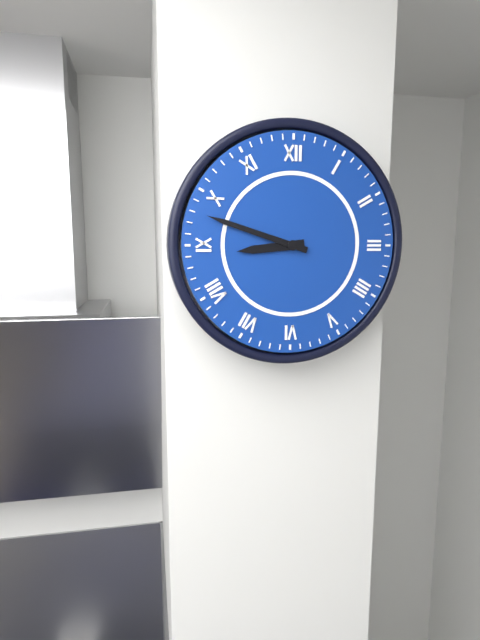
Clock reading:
8.48
